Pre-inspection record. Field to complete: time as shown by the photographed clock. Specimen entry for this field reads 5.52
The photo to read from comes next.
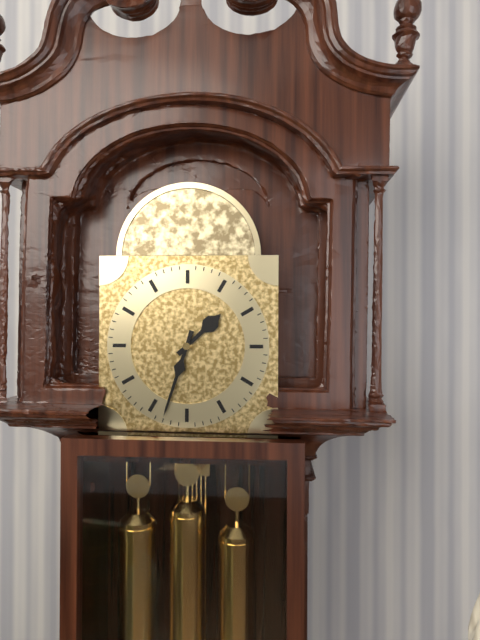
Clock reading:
1.33
